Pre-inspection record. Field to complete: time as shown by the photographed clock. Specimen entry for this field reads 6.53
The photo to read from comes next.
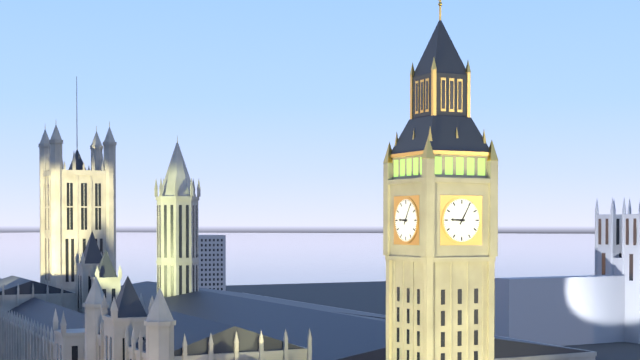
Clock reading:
9.05
